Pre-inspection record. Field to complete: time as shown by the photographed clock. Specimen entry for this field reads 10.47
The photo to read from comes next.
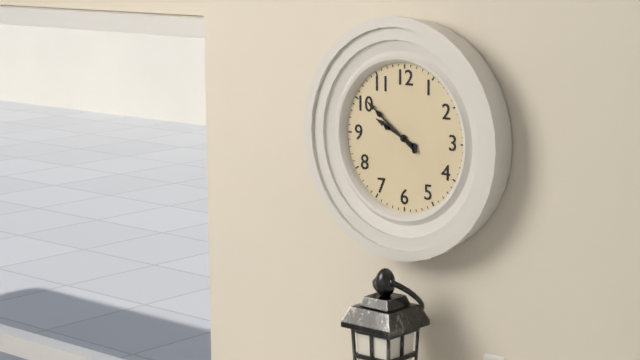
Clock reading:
9.51
